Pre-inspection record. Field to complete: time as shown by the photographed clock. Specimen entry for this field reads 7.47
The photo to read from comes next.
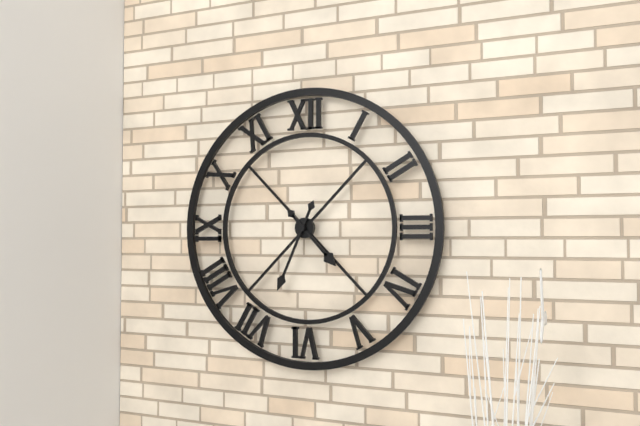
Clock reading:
4.34
